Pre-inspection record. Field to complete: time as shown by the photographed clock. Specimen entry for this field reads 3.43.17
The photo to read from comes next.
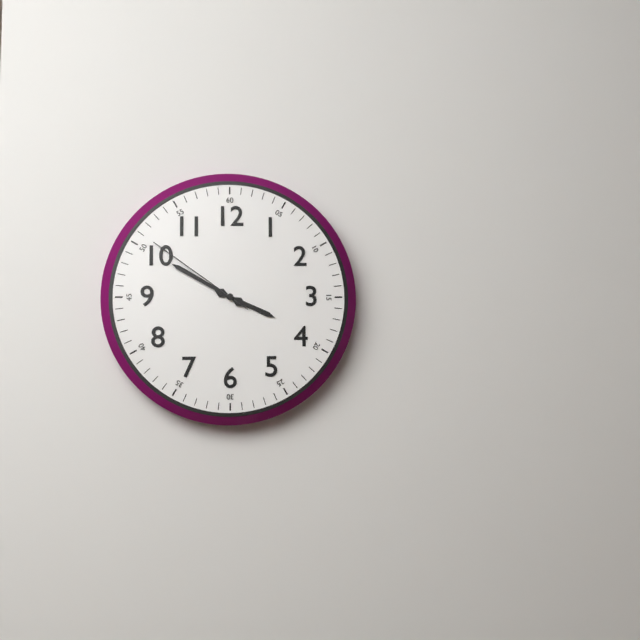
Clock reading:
3.50.51
